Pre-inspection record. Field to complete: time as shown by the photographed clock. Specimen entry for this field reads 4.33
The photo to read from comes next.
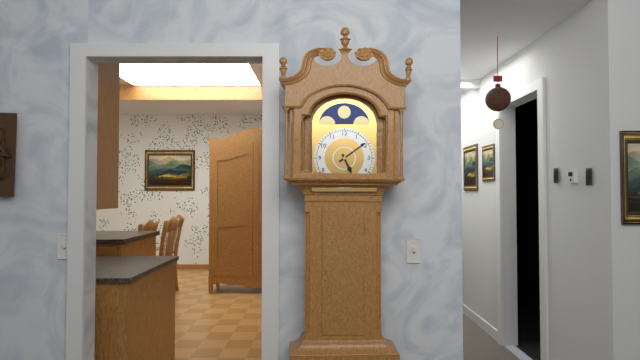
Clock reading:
5.09
